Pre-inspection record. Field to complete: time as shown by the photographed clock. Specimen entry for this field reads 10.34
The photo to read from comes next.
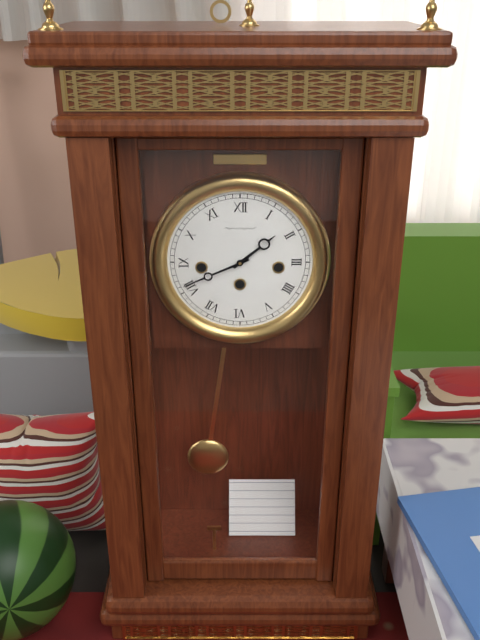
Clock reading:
1.41
